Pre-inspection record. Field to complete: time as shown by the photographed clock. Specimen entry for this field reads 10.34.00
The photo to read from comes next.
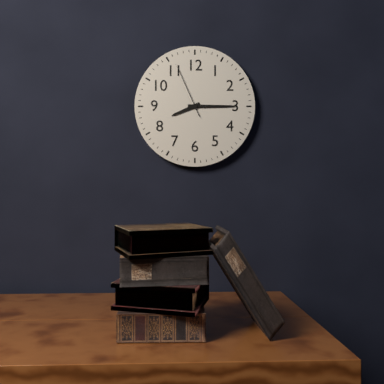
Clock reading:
8.15.56
